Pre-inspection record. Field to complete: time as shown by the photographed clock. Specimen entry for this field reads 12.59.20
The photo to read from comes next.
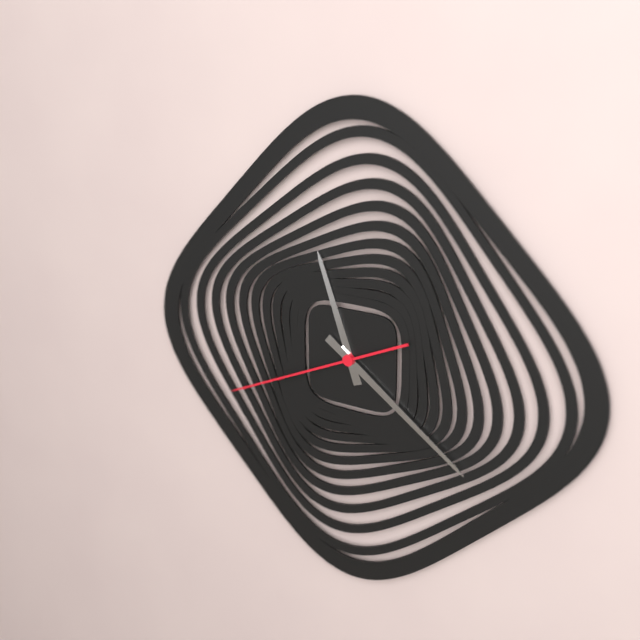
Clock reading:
11.21.41
